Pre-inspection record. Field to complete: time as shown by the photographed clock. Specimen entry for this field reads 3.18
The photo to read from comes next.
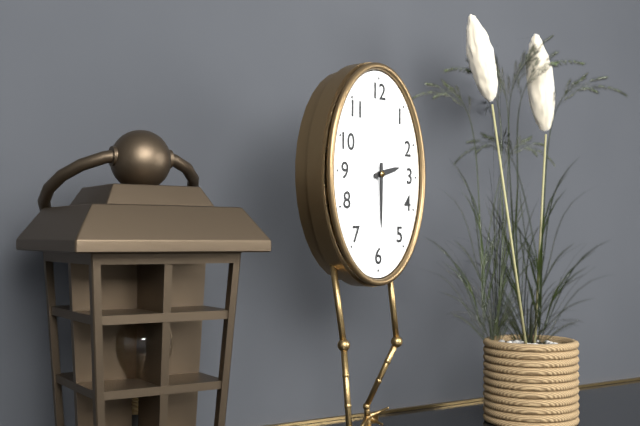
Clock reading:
2.30
